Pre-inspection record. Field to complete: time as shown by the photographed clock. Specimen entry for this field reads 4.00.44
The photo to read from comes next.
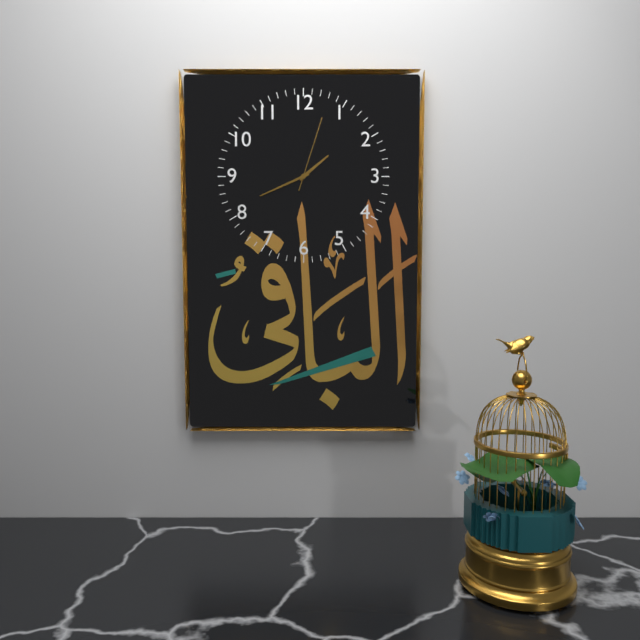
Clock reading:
1.41.03
